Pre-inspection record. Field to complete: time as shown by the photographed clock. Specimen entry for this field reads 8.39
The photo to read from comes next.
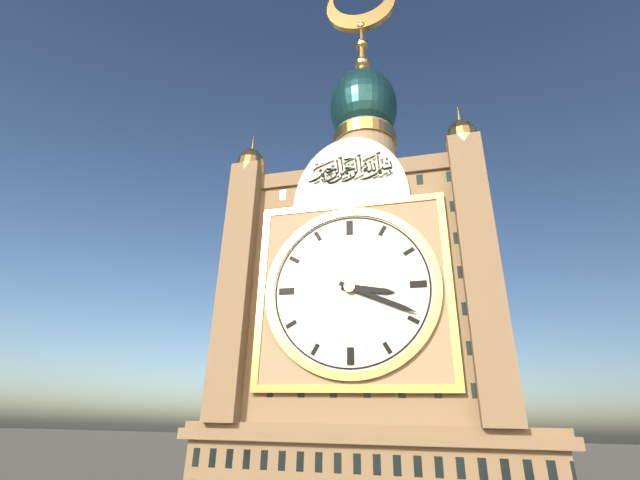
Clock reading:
3.19
